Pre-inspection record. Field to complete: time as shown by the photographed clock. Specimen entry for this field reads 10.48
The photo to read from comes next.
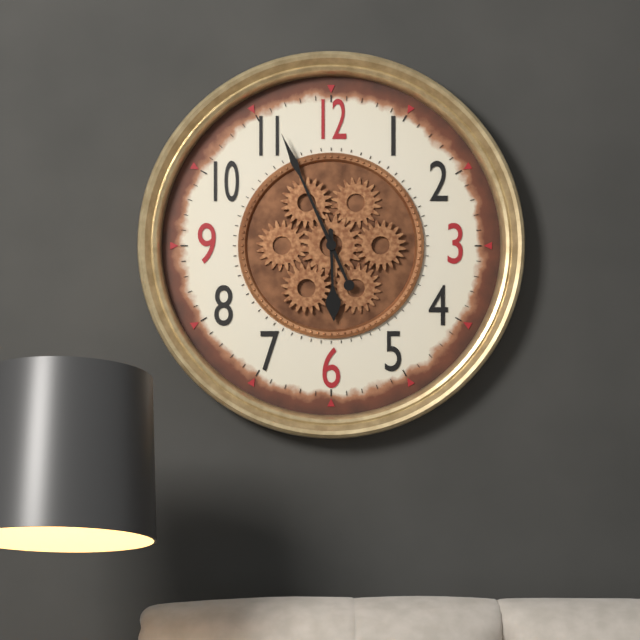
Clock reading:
5.56
